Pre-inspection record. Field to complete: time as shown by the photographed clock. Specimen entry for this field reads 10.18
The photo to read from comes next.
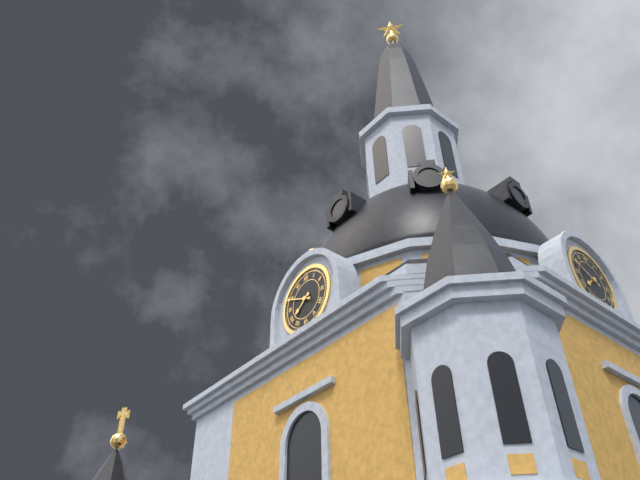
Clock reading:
7.49
